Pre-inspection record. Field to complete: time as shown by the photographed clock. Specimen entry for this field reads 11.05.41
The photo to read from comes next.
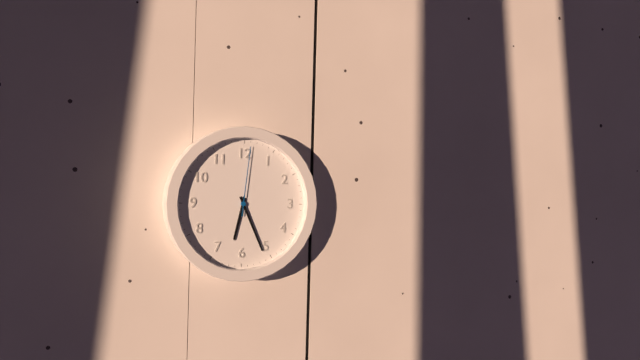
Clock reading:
6.26.01
